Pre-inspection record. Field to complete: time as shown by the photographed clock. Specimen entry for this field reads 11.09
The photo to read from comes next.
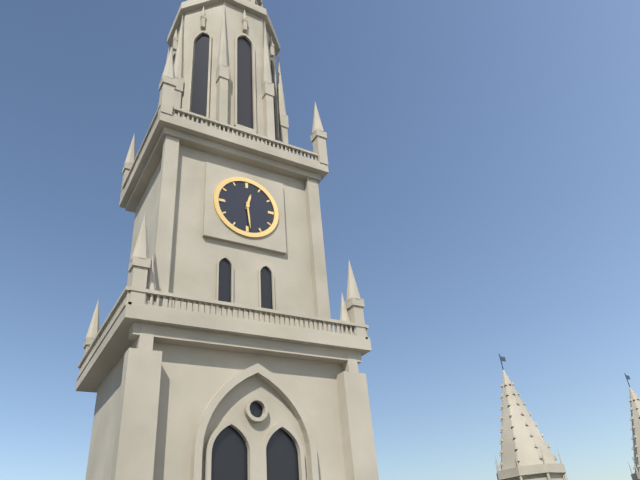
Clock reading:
12.29
